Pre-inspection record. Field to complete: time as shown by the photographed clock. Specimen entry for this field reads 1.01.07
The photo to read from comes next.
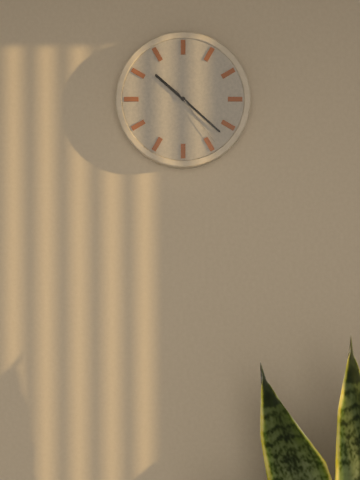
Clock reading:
10.22.24
